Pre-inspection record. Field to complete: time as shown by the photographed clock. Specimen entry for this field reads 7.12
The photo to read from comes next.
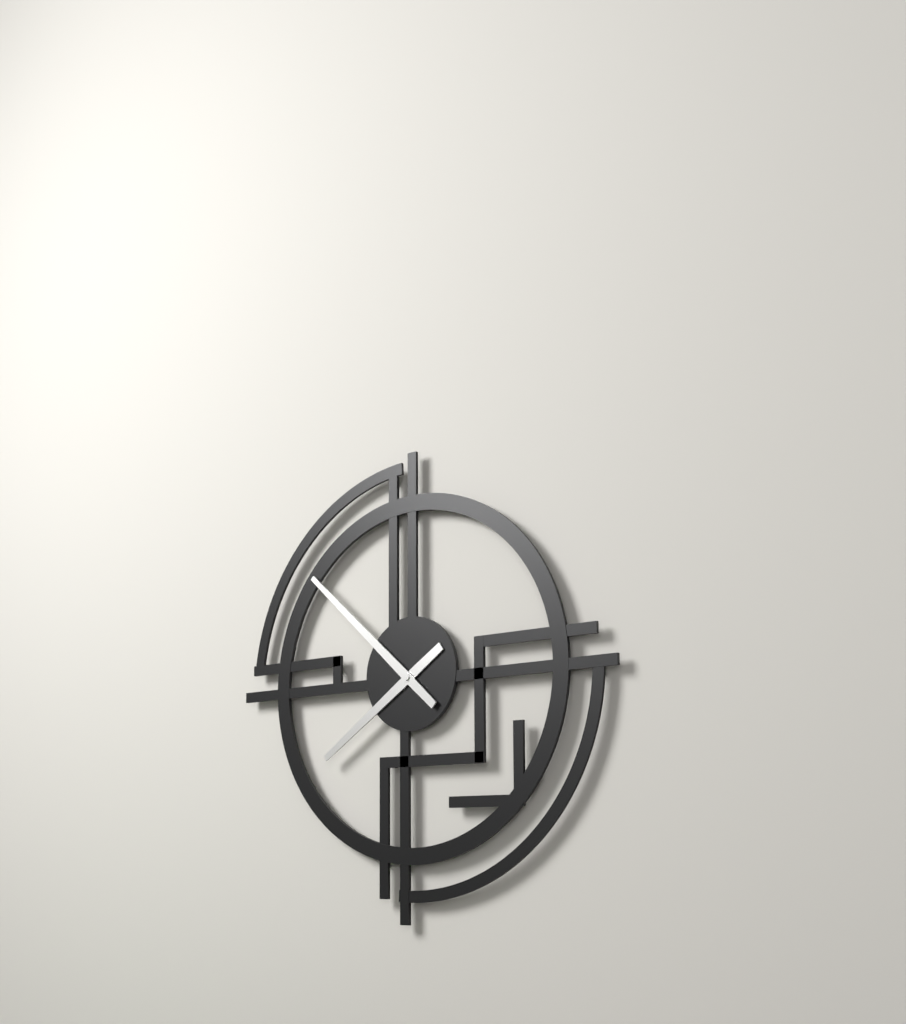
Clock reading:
7.52
